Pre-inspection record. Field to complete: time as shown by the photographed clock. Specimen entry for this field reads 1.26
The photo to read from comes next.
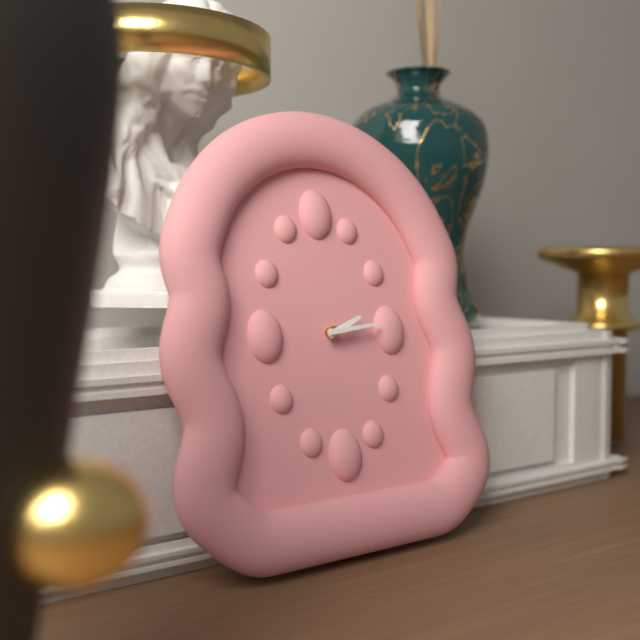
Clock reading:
2.14
